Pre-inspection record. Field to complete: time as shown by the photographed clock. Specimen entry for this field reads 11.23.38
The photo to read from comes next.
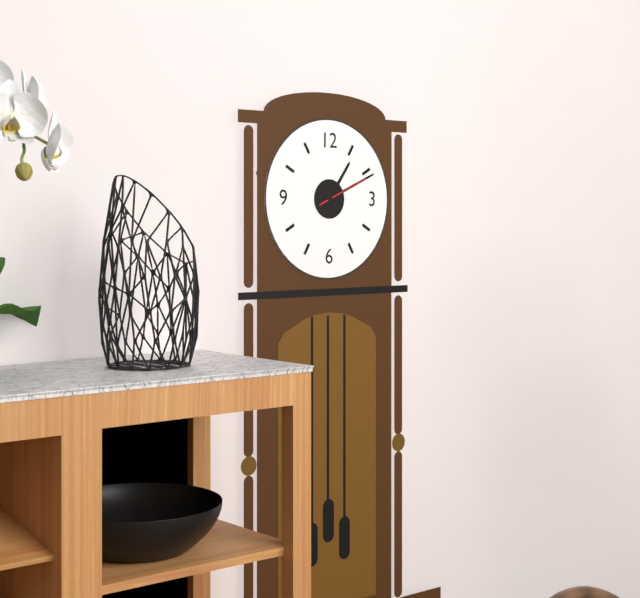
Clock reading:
1.11.11
